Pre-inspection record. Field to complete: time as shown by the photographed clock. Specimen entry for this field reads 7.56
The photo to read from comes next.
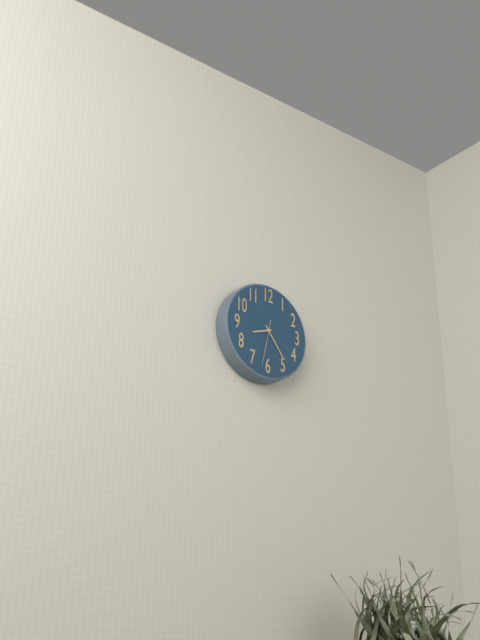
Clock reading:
8.24
